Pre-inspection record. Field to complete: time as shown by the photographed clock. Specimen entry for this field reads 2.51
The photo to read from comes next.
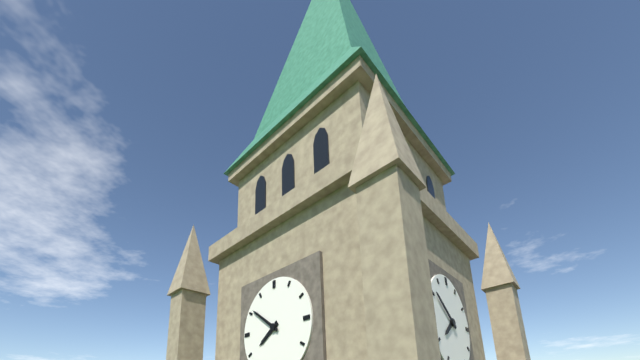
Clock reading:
7.51
